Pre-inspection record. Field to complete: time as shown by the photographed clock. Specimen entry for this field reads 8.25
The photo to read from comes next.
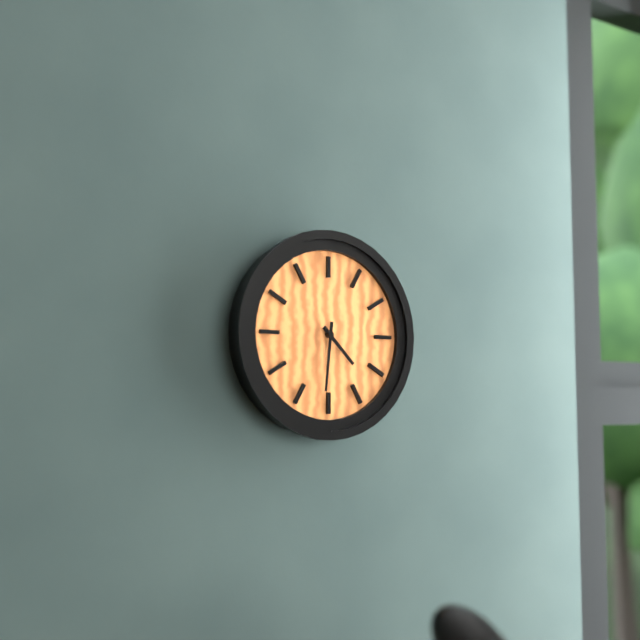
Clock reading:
4.31
